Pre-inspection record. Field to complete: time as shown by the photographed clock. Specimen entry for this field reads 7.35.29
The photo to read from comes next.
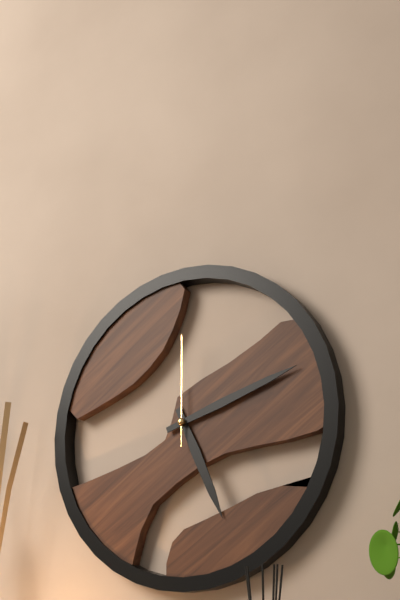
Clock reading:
5.12.00
